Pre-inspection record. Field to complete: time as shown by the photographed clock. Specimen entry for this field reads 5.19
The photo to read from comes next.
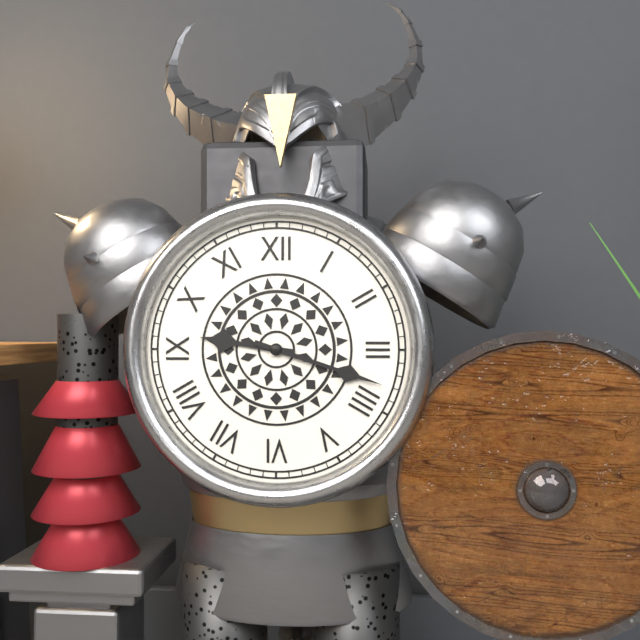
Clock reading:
9.18
